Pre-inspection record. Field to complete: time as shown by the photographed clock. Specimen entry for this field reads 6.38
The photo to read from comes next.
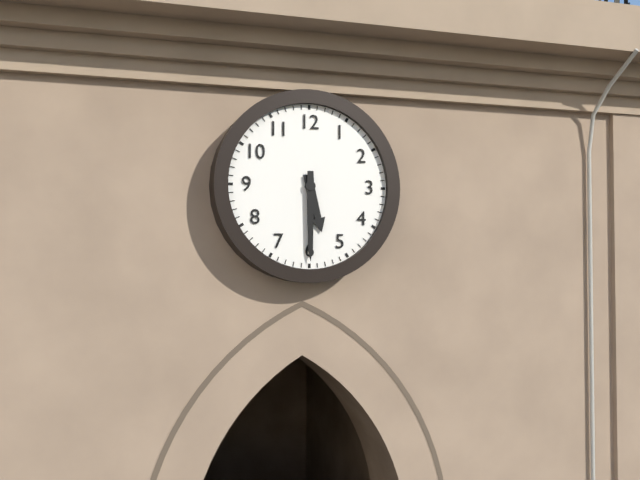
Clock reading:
5.30
